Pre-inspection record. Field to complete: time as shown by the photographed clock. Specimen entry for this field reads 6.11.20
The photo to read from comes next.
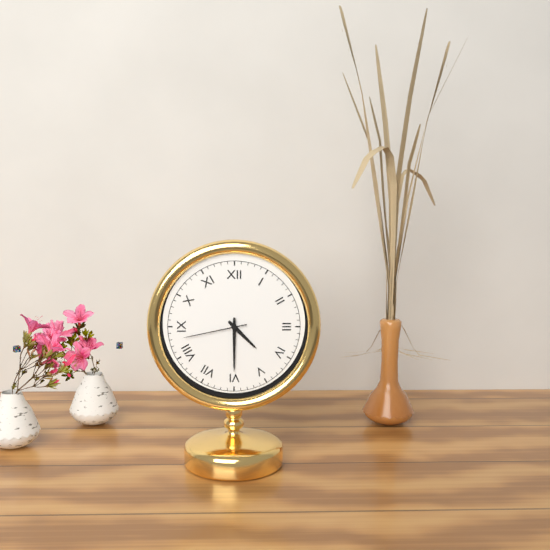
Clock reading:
4.30.43
